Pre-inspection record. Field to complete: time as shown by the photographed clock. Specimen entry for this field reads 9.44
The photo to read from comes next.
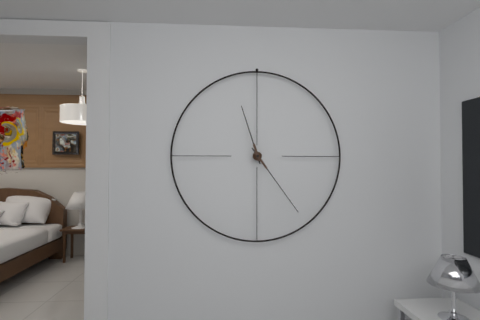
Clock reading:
11.24
